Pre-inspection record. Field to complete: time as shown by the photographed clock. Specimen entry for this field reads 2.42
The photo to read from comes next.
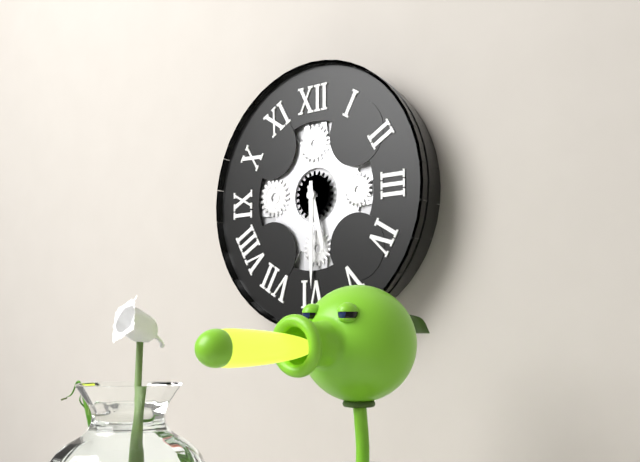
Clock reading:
5.30
